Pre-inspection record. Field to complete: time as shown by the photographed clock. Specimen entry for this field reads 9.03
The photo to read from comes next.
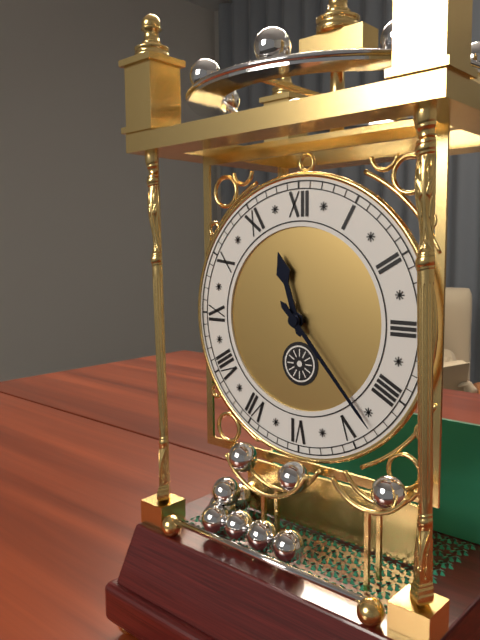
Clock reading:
11.23
